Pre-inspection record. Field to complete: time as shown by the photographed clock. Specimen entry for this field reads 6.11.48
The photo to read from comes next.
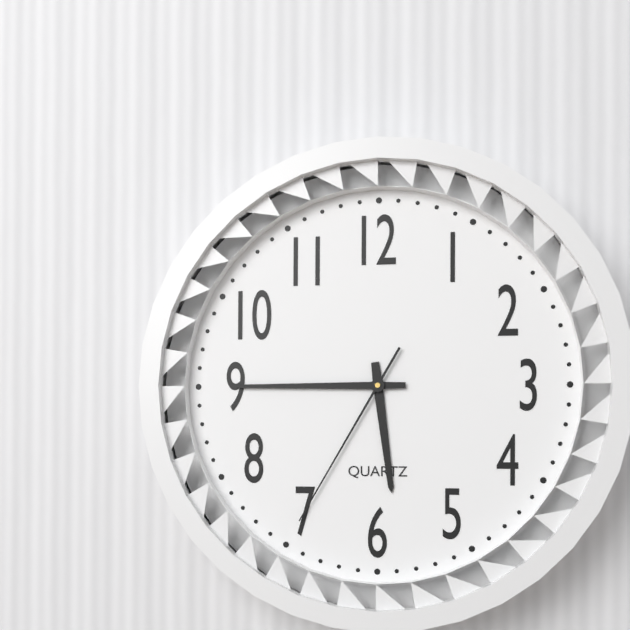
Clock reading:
5.45.35
